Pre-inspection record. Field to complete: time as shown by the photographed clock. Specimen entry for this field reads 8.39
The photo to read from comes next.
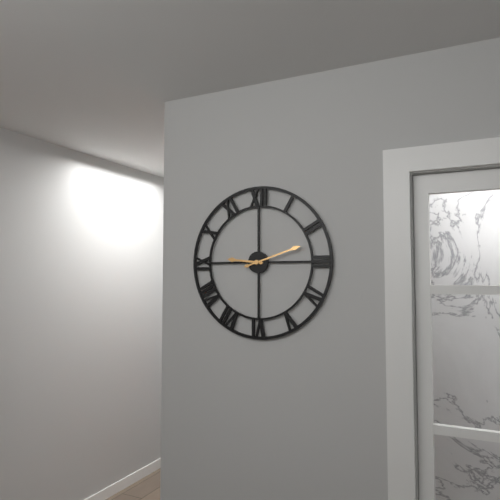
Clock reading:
9.12
